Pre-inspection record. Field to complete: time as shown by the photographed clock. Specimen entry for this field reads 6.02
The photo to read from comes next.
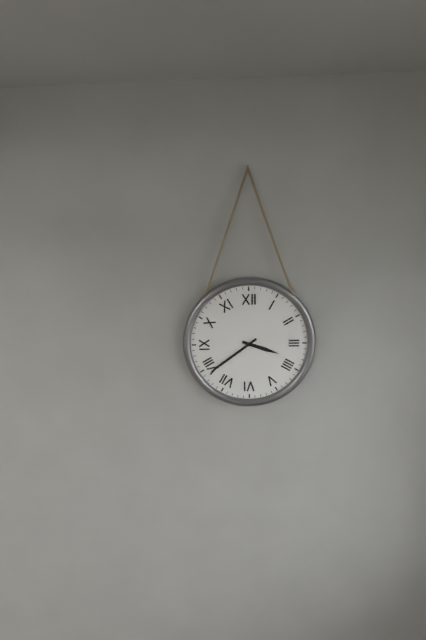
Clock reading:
3.39
